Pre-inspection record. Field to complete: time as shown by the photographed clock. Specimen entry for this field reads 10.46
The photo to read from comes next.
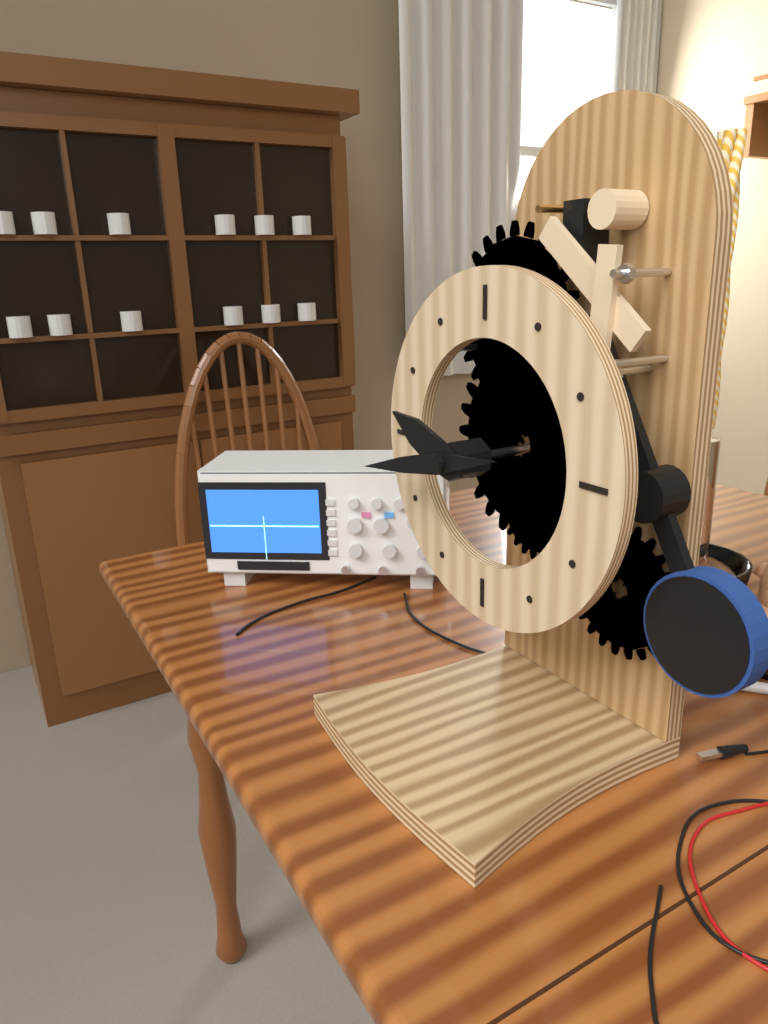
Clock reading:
9.43
